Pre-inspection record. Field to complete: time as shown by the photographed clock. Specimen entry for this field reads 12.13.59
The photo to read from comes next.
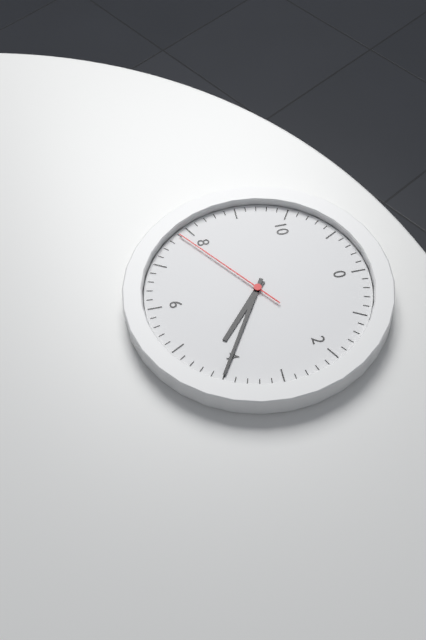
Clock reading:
4.20.39
